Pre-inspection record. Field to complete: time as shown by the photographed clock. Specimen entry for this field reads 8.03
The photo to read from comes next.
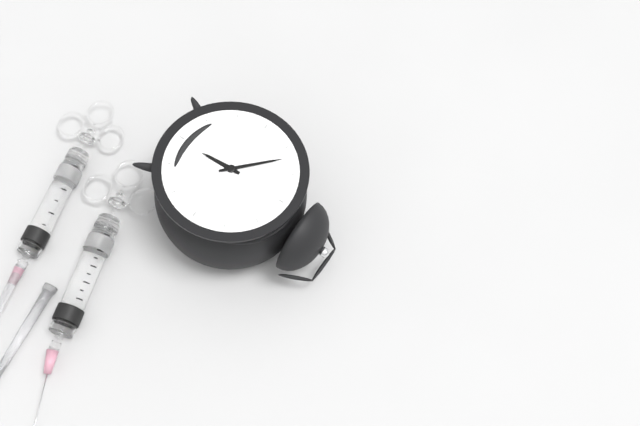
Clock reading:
5.52
